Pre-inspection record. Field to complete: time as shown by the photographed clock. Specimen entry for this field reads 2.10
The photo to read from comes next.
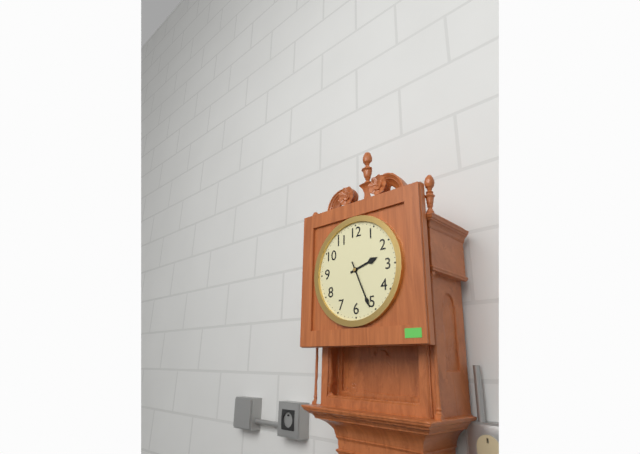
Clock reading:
2.26
